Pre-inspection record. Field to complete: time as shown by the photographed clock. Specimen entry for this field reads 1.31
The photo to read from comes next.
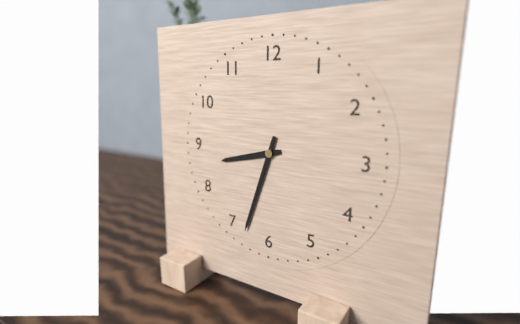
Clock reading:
8.33
